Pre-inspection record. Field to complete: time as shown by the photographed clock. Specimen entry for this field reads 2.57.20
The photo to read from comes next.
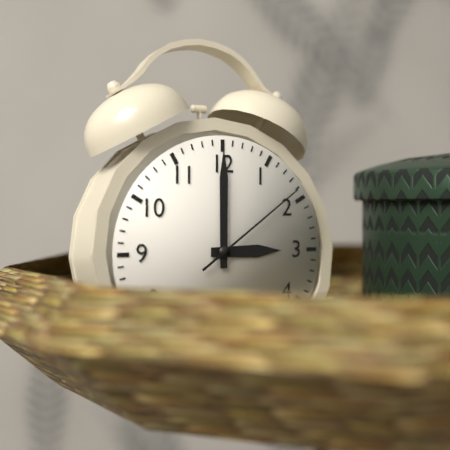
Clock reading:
3.00.09
